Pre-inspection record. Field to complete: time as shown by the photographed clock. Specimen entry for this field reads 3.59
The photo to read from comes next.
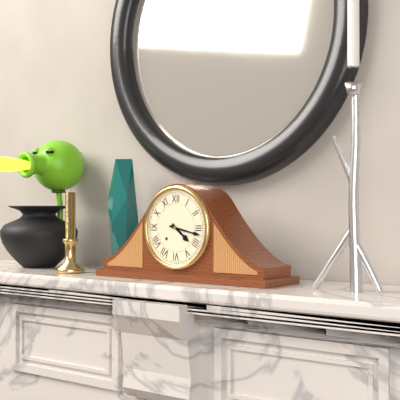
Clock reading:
4.17
